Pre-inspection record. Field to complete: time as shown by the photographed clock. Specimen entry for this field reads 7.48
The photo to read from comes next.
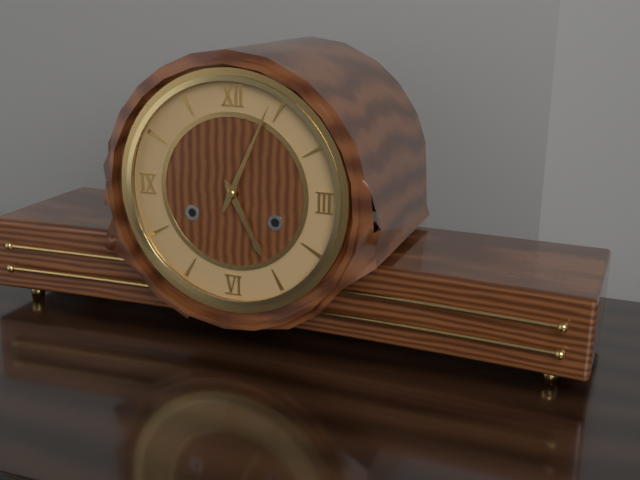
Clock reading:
5.04
